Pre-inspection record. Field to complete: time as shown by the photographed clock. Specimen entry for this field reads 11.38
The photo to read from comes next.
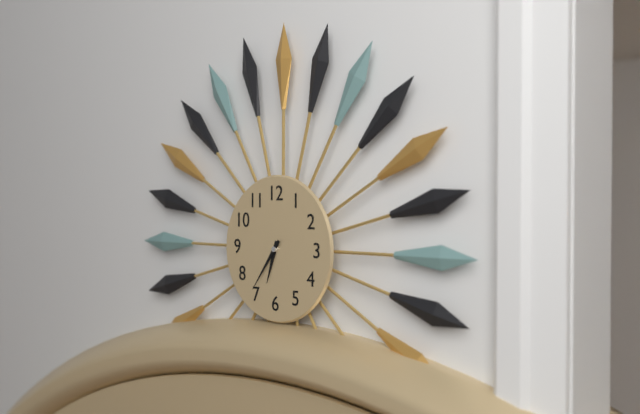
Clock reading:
6.36
